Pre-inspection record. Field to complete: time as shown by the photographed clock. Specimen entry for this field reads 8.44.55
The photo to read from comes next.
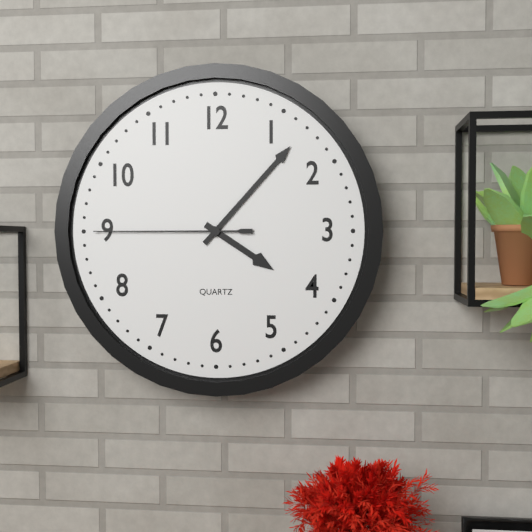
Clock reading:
4.07.45
